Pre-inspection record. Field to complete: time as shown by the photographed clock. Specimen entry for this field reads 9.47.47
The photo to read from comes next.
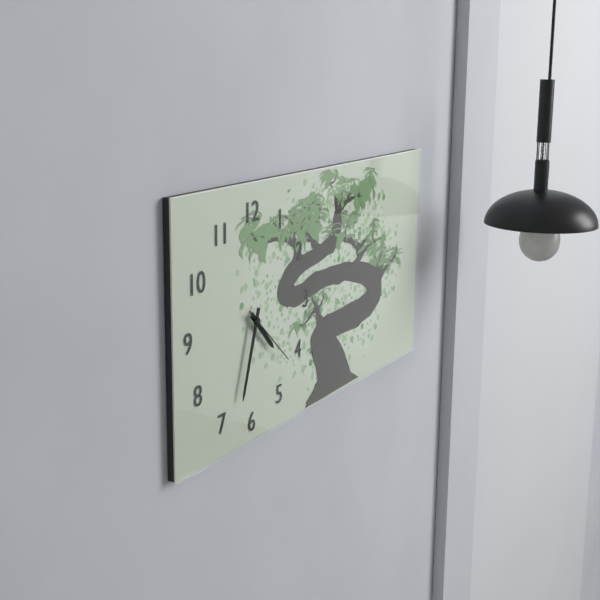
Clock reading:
4.33.22
